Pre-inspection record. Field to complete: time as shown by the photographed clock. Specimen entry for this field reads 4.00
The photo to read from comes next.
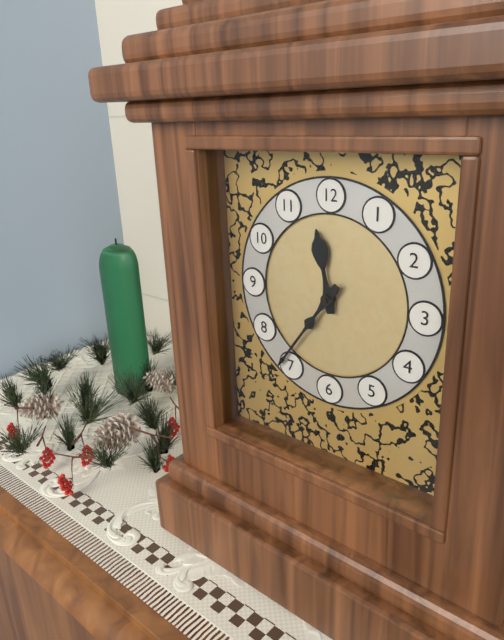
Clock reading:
11.36
